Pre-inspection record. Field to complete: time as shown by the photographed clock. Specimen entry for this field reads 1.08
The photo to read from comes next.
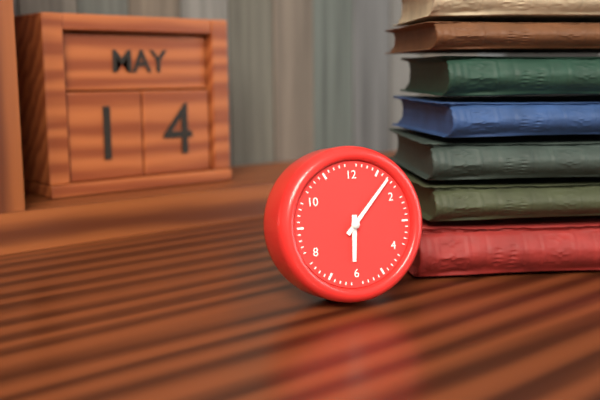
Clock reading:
6.07
